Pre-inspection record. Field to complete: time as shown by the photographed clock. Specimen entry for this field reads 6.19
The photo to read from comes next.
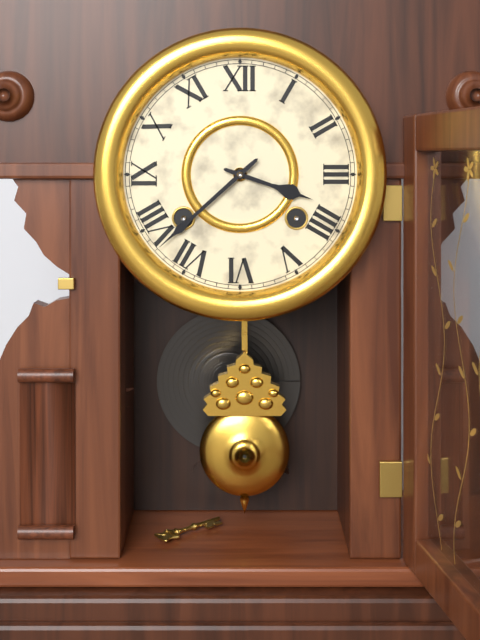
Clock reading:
3.38
